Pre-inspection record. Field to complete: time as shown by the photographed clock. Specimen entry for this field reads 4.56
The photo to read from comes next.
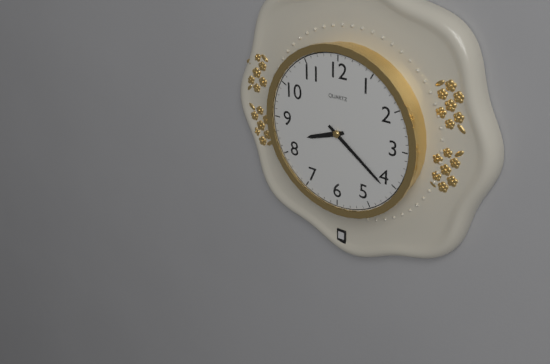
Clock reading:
8.21
